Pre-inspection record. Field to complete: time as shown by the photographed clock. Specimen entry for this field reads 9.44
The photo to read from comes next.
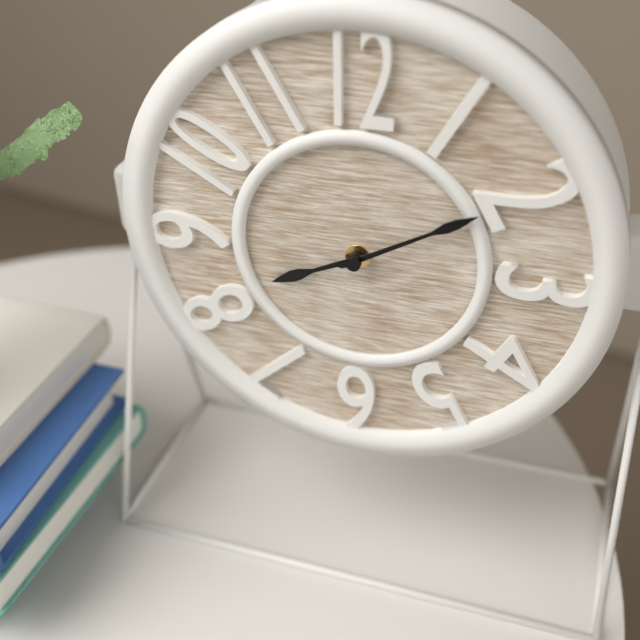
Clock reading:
8.10
